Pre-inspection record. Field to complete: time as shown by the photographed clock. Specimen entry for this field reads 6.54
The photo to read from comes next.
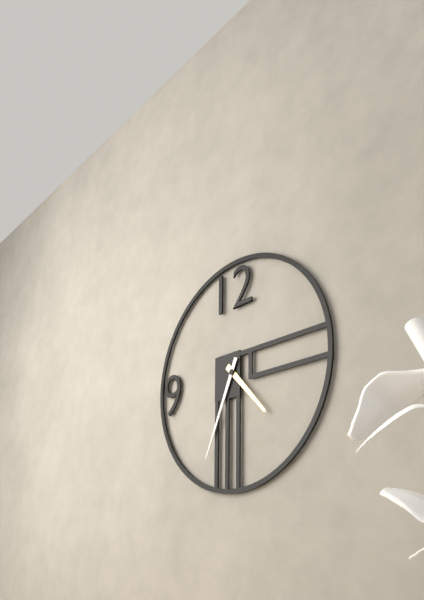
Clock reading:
4.34
